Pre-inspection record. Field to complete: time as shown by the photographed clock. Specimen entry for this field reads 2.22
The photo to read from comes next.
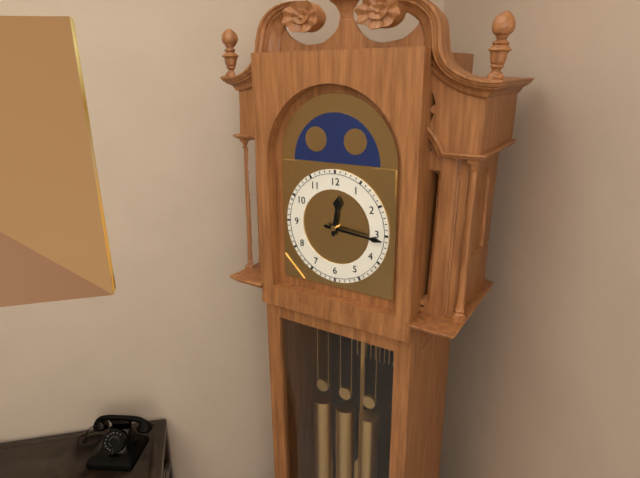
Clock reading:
12.16
